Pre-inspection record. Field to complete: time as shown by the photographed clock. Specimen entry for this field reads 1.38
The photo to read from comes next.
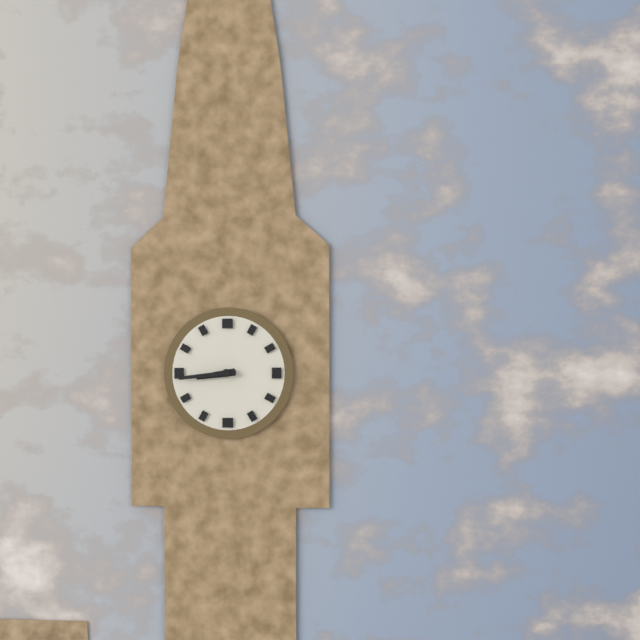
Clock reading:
8.44
